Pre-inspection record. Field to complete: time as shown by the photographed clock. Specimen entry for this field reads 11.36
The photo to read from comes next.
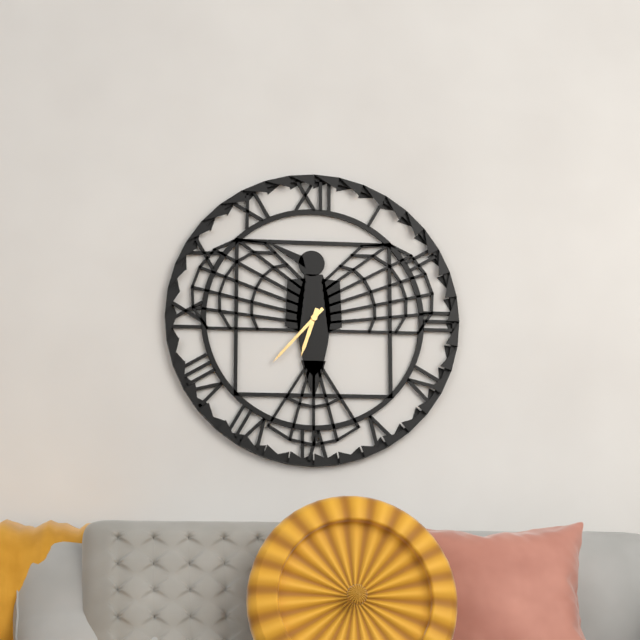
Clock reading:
6.37
